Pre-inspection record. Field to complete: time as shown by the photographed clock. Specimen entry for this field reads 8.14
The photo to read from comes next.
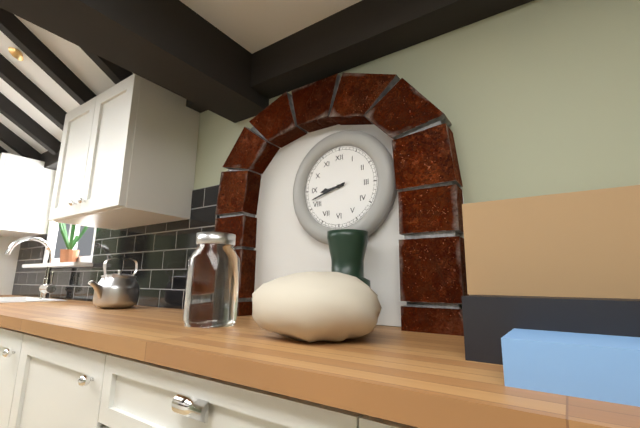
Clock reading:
8.42
